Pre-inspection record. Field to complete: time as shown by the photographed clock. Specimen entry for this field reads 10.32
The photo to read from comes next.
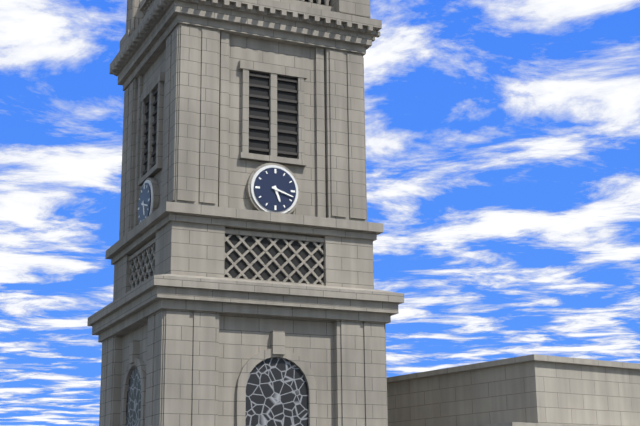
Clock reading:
5.18
